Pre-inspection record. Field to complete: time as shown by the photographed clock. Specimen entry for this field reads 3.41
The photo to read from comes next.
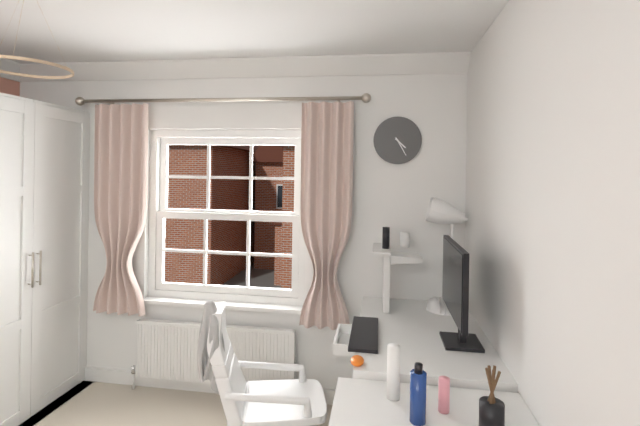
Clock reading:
4.25
